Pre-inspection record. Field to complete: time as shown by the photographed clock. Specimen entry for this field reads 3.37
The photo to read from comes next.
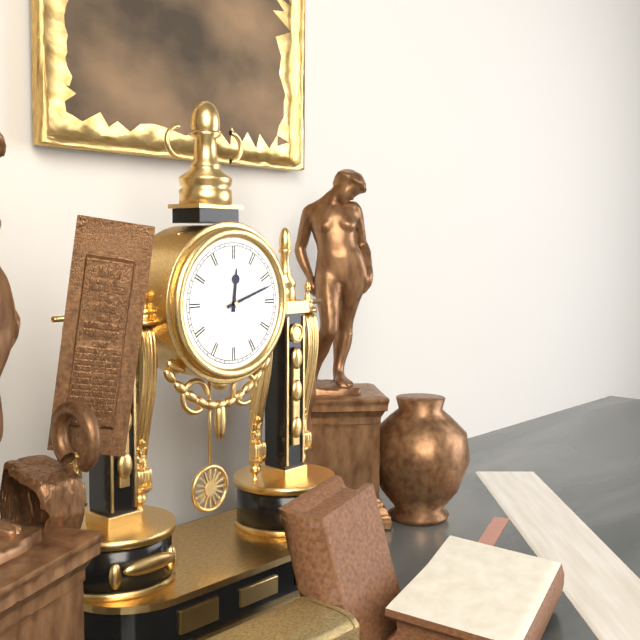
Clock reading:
12.12
